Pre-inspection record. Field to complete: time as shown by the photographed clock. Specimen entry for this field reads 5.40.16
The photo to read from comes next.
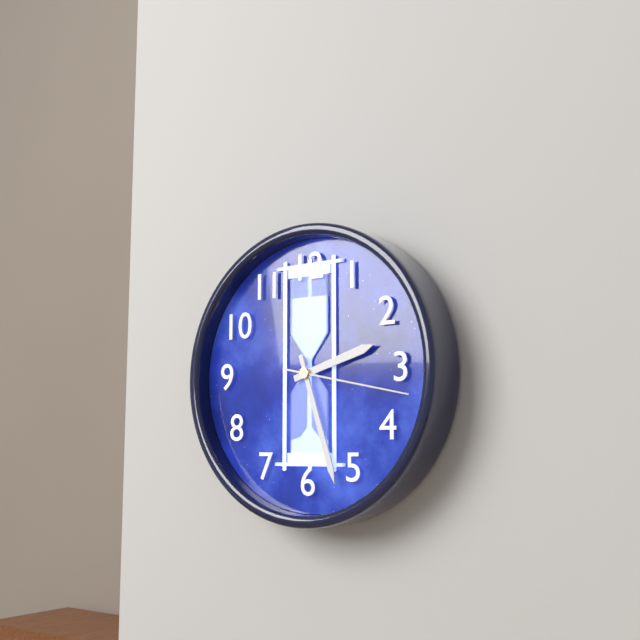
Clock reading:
2.27.17
